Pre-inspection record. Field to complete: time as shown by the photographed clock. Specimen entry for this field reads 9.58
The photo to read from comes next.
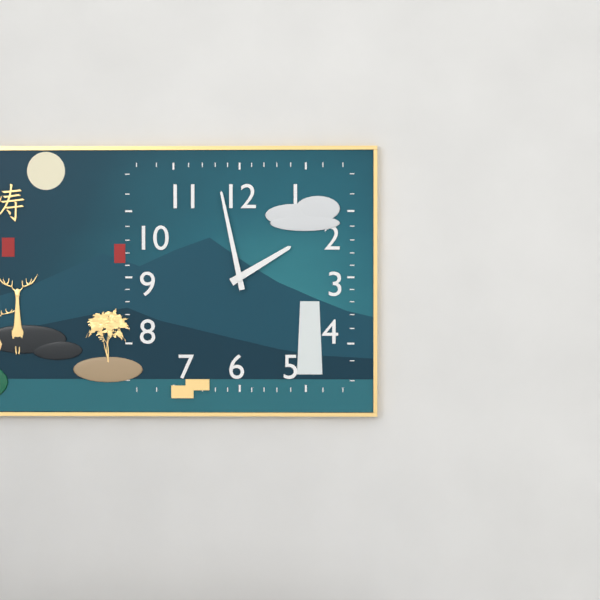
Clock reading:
1.58
